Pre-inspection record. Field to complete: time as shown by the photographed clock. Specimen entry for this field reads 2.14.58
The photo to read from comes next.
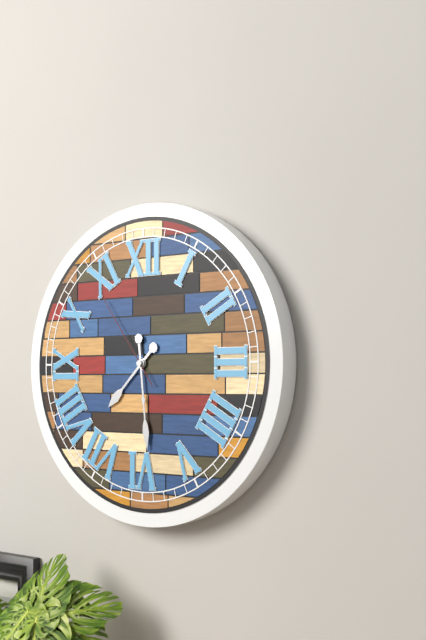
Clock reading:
7.29.54
